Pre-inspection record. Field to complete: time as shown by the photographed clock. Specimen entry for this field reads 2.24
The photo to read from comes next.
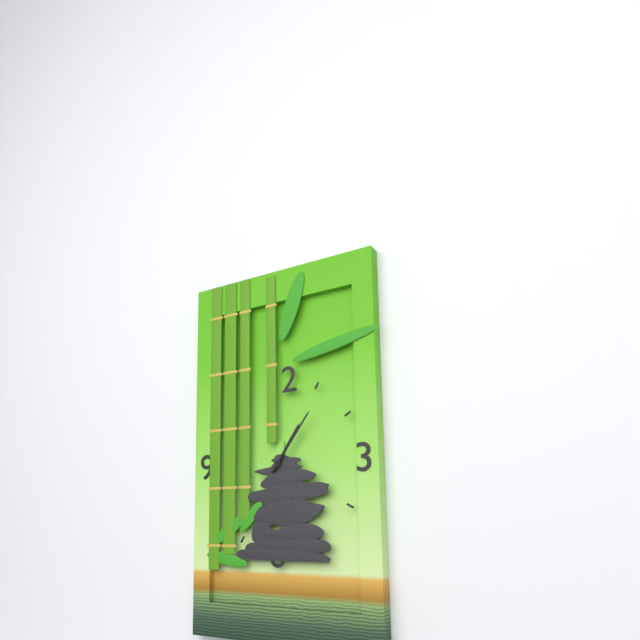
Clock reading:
1.06
